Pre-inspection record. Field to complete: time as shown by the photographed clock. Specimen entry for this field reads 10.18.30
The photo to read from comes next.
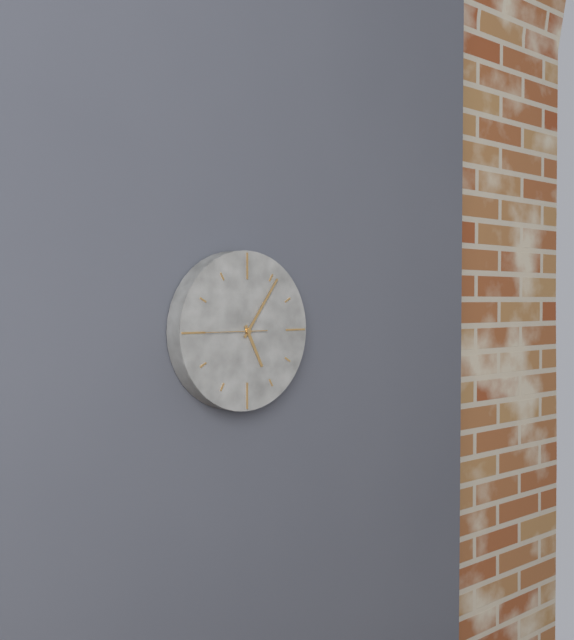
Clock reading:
5.06.45
